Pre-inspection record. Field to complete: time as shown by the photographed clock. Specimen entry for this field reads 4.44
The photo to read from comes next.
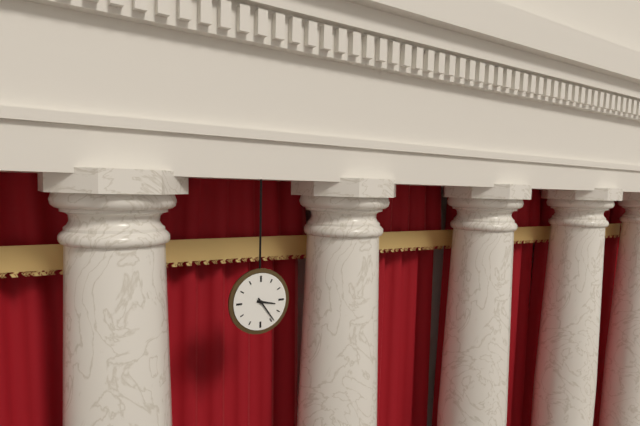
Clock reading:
3.24
